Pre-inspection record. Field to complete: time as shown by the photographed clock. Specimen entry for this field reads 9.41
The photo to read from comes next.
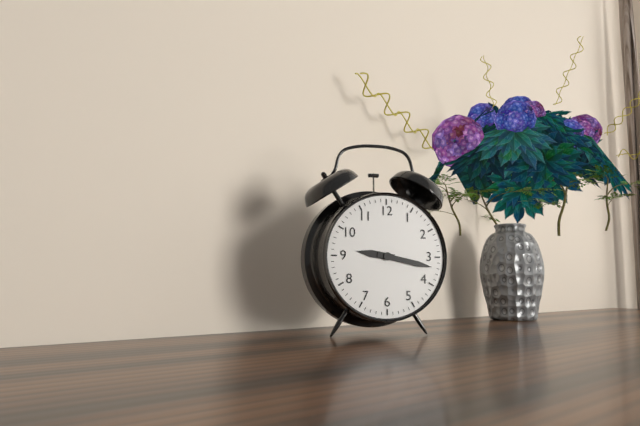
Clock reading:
9.17
